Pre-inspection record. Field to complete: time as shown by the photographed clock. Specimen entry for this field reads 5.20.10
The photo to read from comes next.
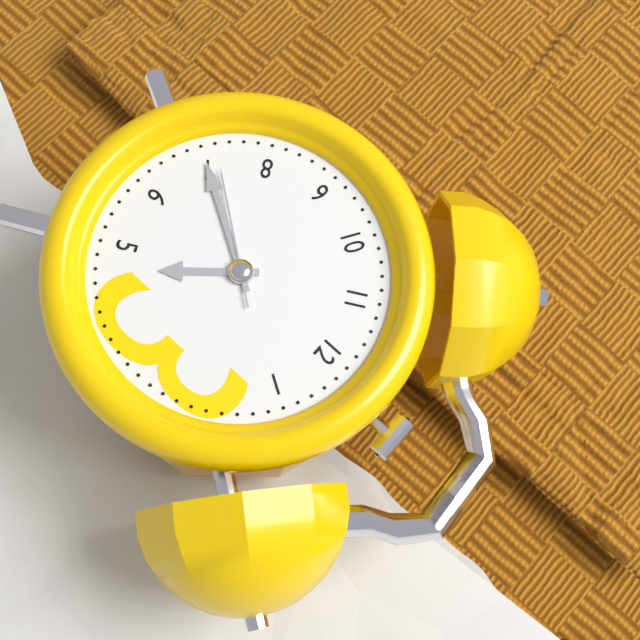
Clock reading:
4.35.36
